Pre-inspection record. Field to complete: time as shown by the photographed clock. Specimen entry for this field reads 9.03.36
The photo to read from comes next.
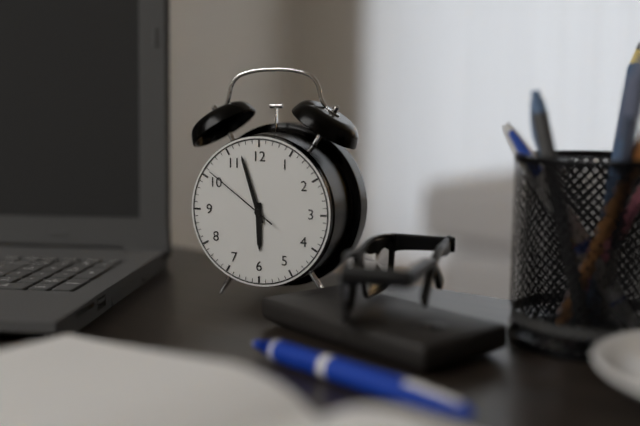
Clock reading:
5.57.51
